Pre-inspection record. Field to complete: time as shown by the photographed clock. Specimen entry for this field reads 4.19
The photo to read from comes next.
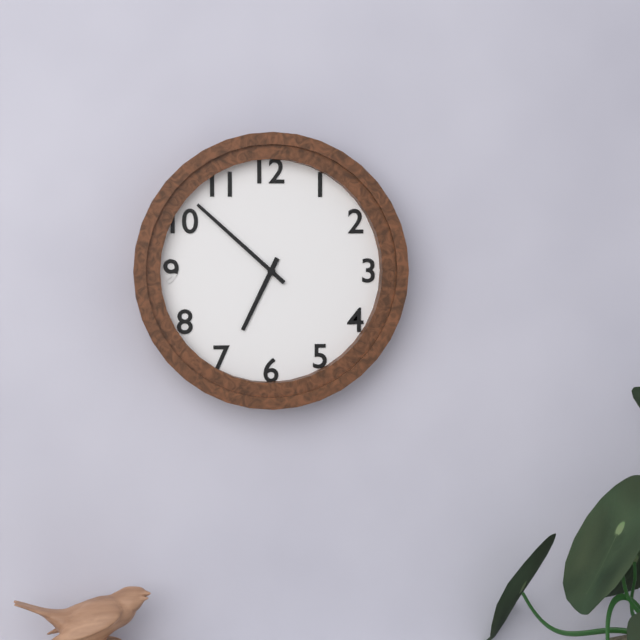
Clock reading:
6.52
